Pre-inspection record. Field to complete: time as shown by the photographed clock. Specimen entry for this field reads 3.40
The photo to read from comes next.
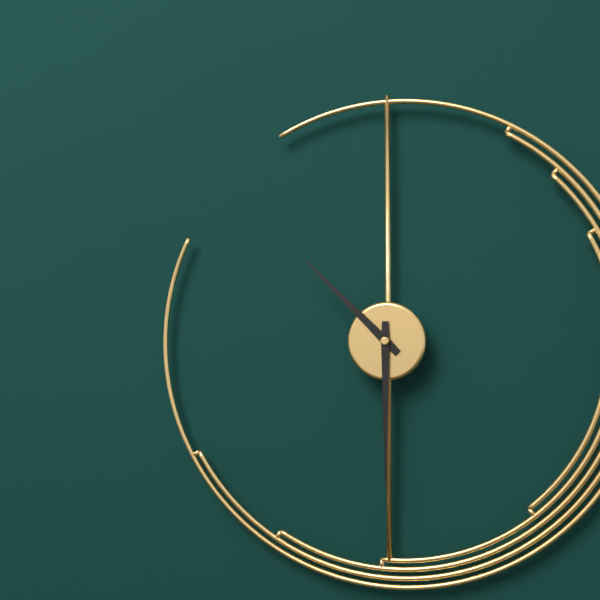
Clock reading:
10.30
